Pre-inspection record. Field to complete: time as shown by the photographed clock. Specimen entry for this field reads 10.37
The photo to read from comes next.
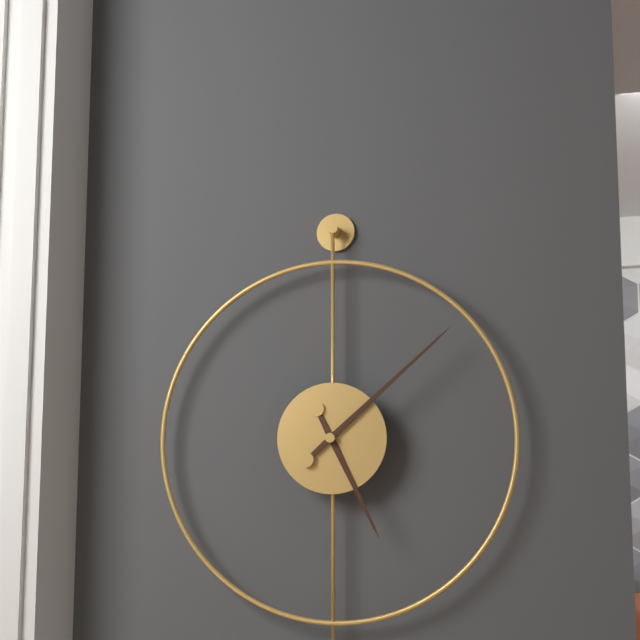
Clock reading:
5.08
